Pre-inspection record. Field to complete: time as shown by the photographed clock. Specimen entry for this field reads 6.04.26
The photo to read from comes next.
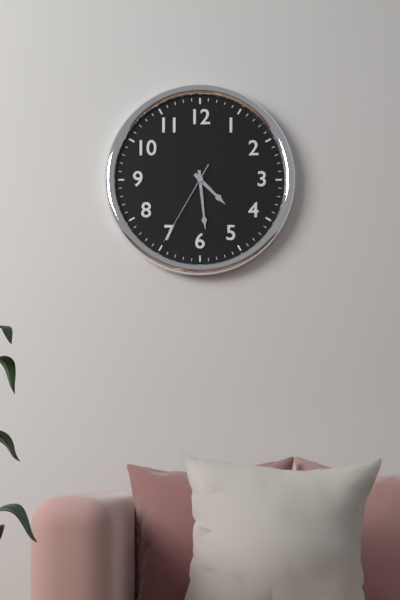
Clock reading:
4.29.35
